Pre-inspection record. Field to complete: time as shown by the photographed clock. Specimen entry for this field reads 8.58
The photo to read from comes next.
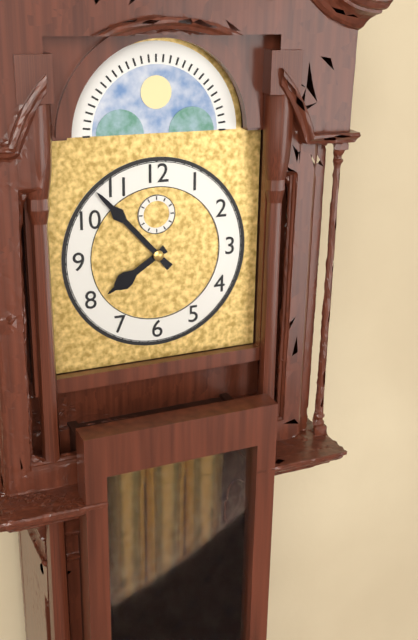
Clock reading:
7.53
